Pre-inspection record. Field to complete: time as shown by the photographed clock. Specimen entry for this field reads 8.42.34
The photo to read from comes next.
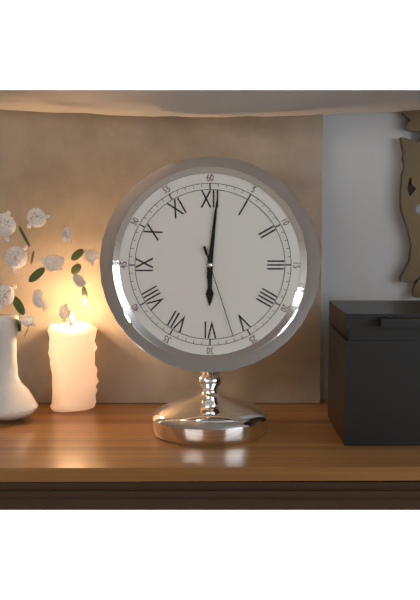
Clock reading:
6.01.27
